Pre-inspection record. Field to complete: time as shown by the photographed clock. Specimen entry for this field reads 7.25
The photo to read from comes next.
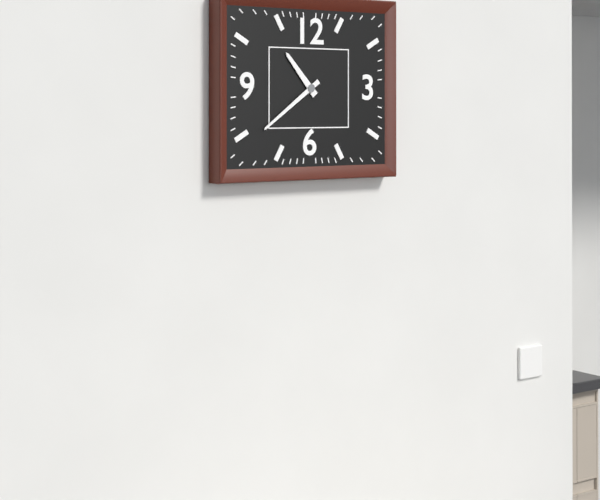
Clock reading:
10.39
